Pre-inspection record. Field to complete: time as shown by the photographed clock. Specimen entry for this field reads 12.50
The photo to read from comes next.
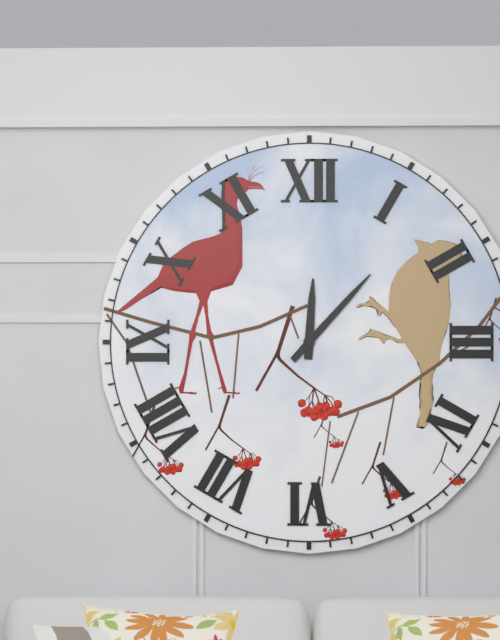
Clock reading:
12.07
